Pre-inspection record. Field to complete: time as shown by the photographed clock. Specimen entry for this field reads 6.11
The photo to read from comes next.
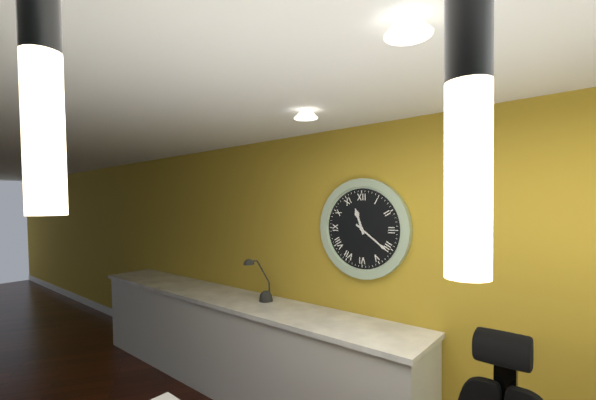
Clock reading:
11.21
